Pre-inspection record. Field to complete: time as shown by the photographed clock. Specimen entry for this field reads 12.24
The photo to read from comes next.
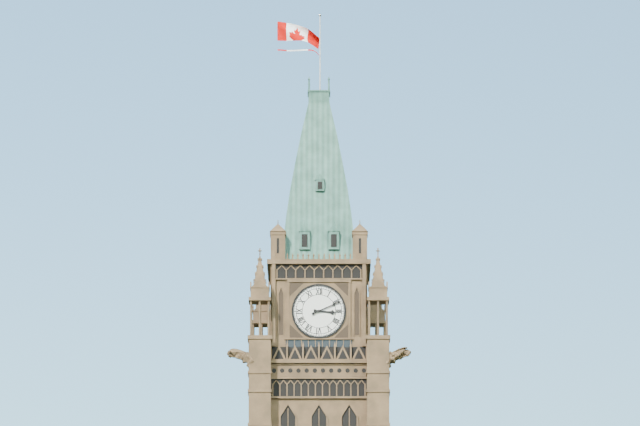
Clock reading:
3.11
